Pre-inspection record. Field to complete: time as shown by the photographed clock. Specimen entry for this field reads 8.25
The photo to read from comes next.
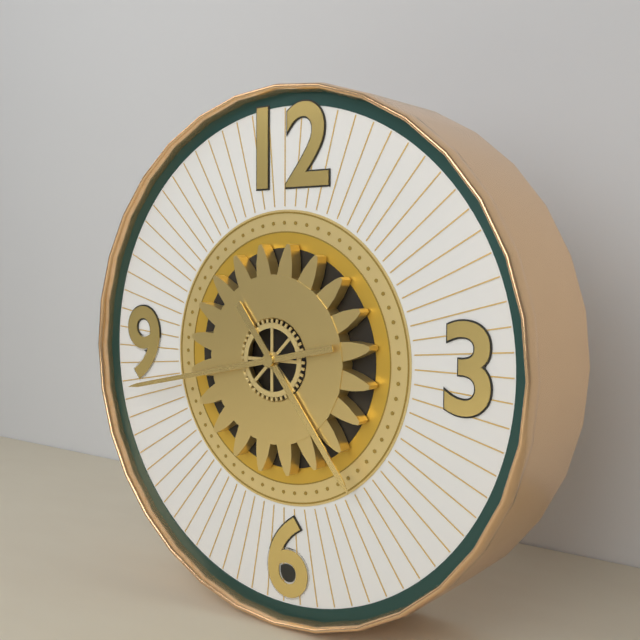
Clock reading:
4.43
